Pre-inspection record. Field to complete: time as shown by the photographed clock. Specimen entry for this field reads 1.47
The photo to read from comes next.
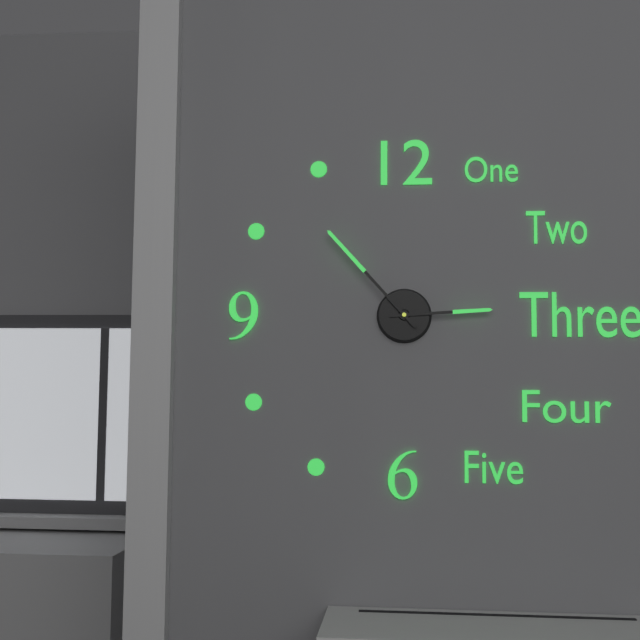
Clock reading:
2.53
